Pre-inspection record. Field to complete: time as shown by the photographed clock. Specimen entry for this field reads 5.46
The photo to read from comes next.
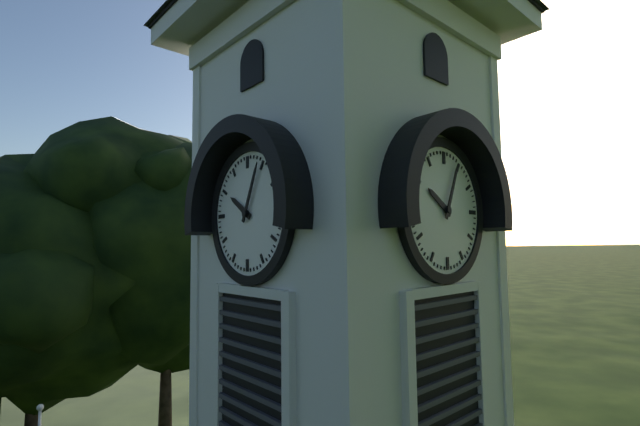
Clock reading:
10.04
